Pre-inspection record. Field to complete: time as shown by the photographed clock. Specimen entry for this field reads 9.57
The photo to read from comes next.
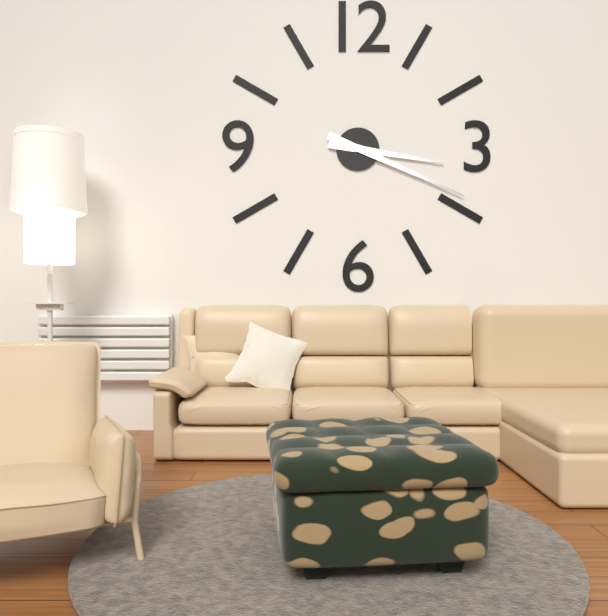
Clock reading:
3.19
